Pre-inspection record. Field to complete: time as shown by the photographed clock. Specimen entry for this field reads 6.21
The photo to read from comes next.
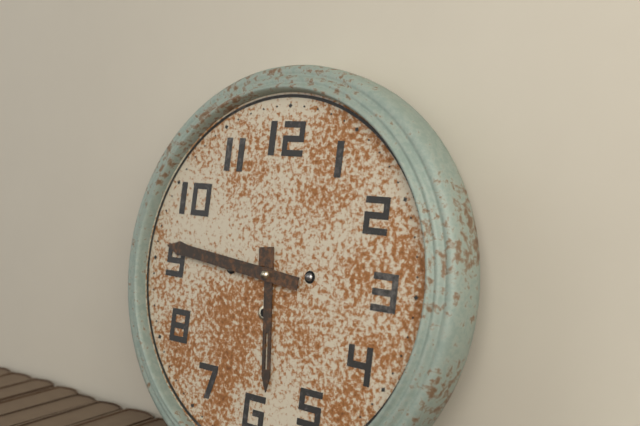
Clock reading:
5.46
